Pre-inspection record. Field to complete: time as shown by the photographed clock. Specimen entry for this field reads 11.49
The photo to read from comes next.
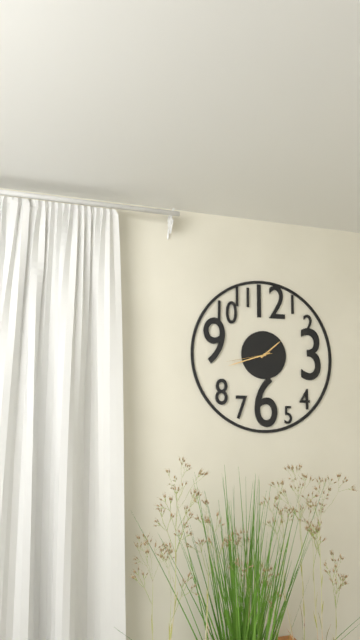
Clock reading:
1.42
